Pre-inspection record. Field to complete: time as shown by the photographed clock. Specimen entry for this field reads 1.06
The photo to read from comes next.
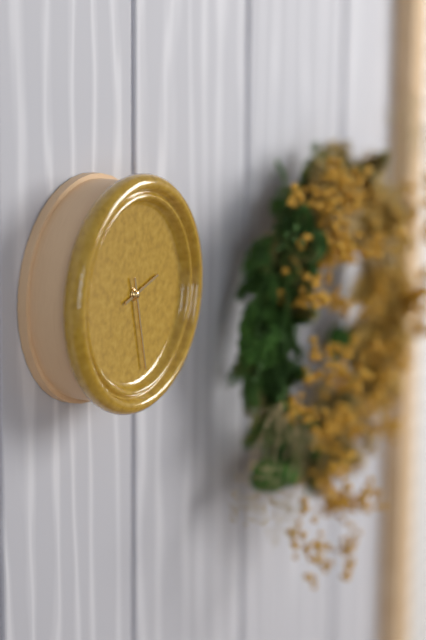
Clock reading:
2.28
